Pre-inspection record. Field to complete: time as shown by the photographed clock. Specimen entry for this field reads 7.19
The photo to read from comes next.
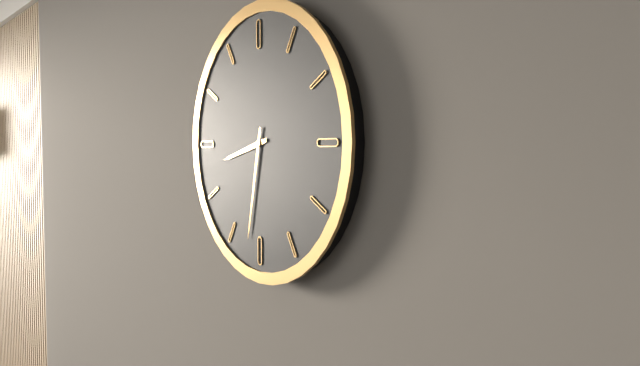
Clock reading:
8.32
